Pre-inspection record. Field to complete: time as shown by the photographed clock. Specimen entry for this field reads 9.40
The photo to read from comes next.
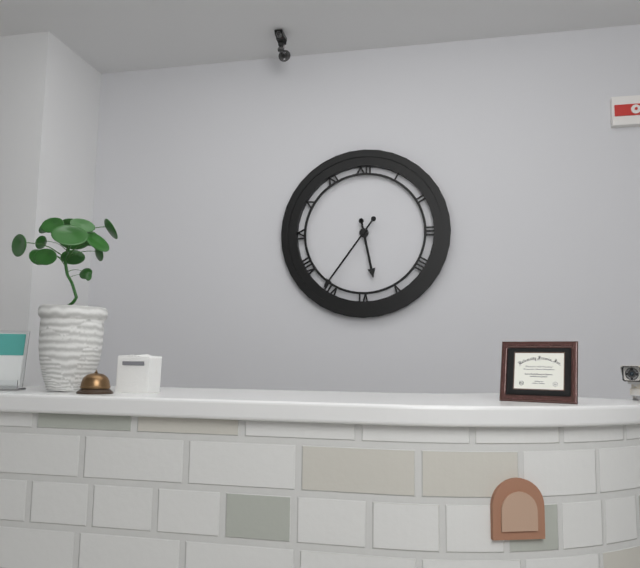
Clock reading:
5.36
